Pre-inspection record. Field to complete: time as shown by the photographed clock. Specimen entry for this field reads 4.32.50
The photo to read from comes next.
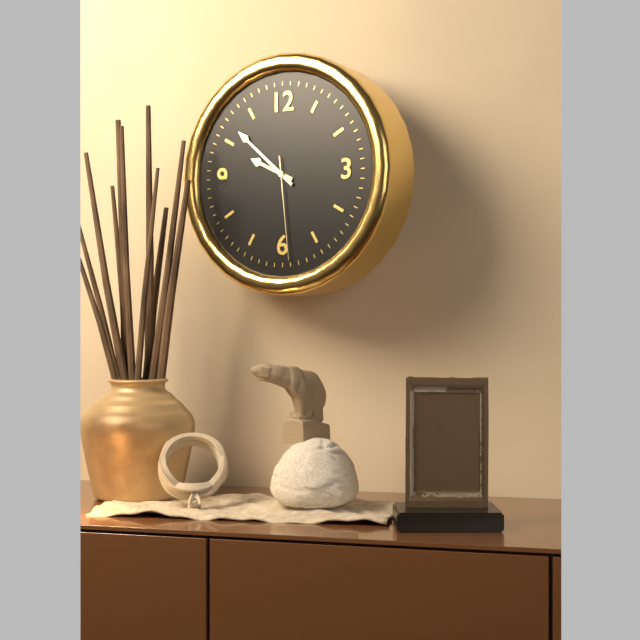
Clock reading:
9.52.29
